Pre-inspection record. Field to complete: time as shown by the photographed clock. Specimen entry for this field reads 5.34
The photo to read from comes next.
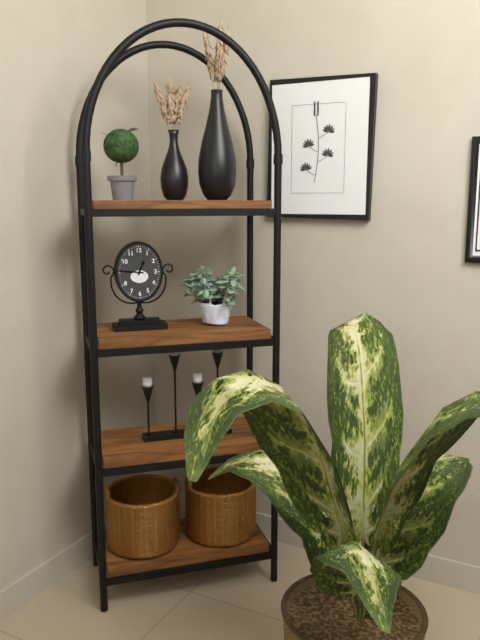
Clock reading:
12.46
